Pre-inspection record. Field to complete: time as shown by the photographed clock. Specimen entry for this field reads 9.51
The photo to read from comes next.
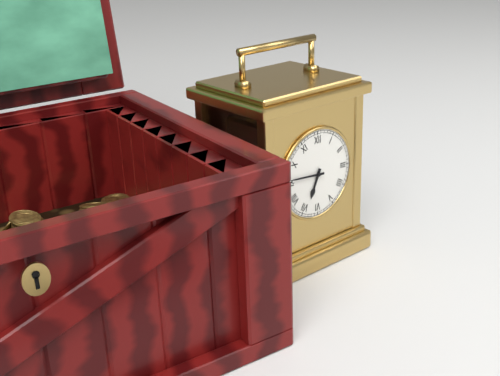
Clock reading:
6.46
